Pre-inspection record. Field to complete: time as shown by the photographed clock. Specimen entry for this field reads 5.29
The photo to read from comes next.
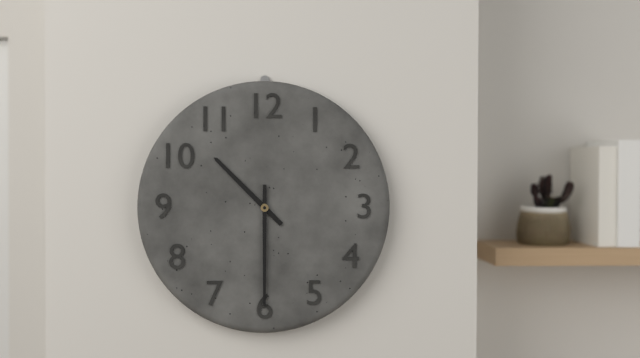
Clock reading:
10.30
